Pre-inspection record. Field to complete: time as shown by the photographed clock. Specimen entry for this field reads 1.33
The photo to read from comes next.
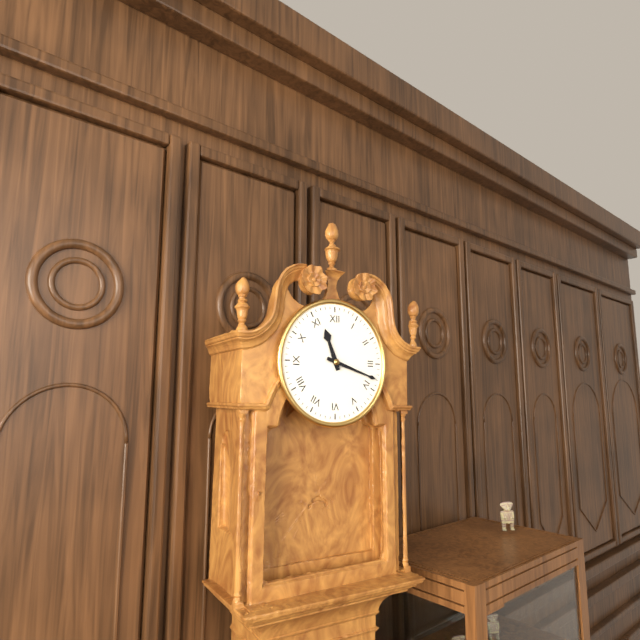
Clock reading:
11.18
